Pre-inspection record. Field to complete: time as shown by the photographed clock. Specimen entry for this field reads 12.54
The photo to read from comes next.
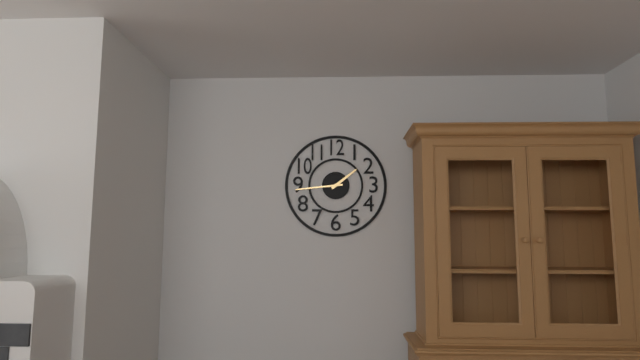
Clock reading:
1.44
